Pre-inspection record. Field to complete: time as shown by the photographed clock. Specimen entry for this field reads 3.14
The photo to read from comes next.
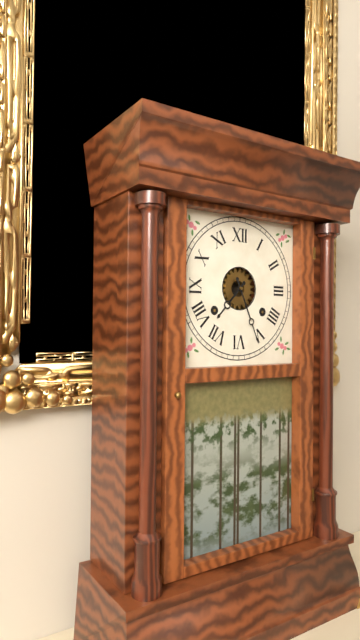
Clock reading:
7.26
